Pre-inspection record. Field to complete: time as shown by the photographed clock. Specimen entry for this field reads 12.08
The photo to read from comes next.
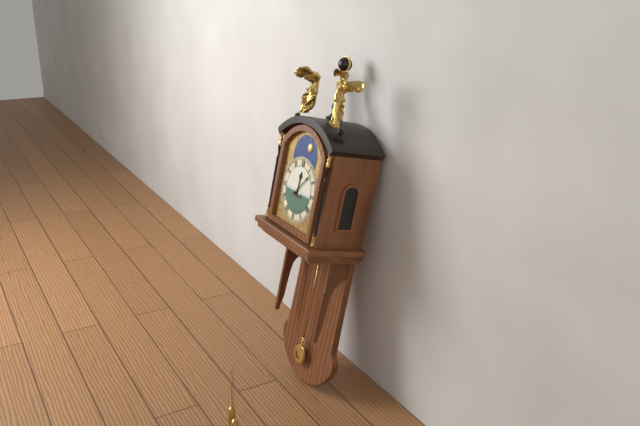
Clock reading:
12.07
